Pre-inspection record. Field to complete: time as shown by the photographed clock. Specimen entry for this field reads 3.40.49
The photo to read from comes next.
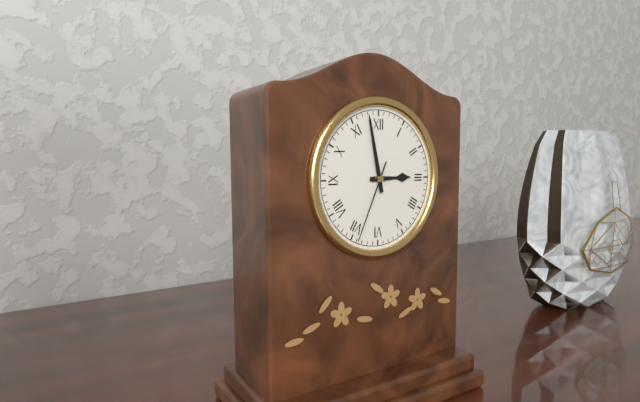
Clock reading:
2.58.34
